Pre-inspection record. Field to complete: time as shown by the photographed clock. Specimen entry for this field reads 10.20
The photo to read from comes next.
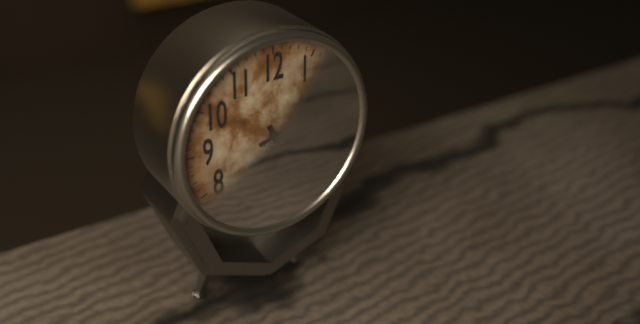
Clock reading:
5.12
